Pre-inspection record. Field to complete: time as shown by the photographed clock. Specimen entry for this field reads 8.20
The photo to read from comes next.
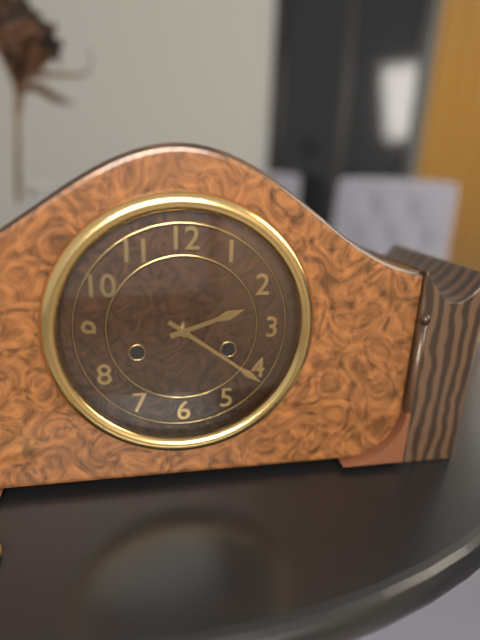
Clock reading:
2.21
